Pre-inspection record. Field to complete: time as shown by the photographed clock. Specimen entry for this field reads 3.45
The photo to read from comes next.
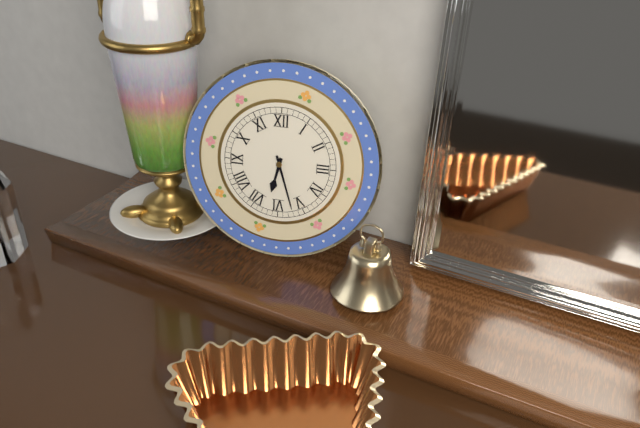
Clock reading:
6.27
